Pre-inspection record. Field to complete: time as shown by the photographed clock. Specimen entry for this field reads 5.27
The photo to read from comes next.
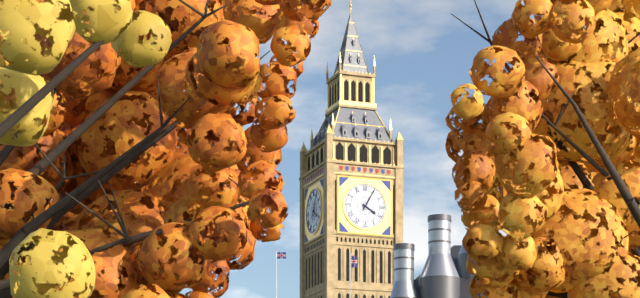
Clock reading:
4.05
